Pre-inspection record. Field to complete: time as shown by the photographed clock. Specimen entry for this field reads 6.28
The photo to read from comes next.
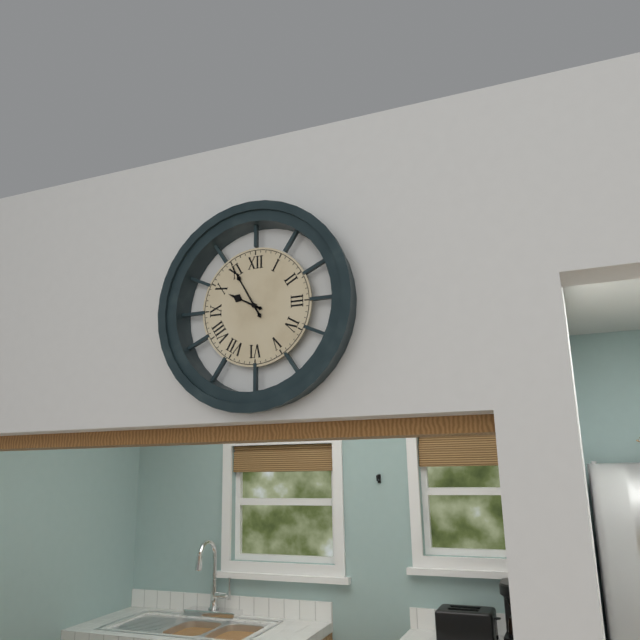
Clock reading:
9.55
